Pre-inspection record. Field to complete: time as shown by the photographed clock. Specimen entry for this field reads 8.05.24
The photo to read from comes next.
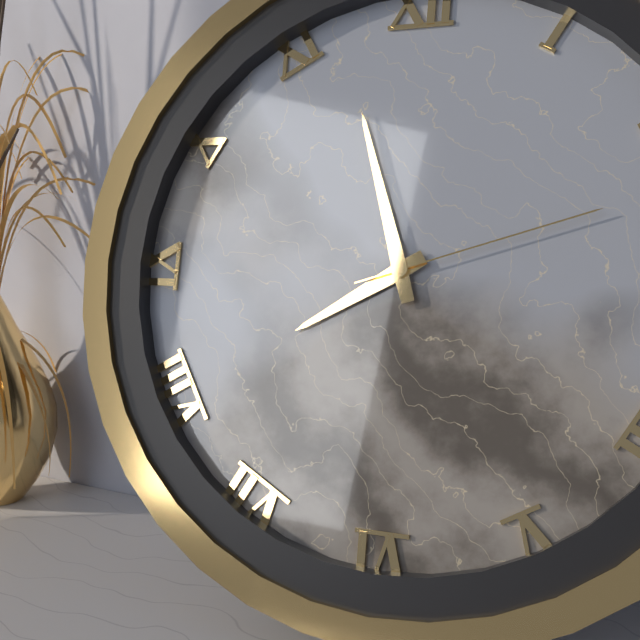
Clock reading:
7.57.12
